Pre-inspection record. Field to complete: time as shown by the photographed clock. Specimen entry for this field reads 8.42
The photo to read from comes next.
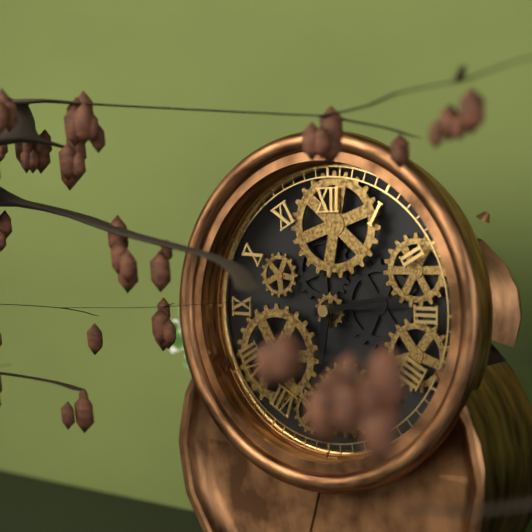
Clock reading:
6.13
